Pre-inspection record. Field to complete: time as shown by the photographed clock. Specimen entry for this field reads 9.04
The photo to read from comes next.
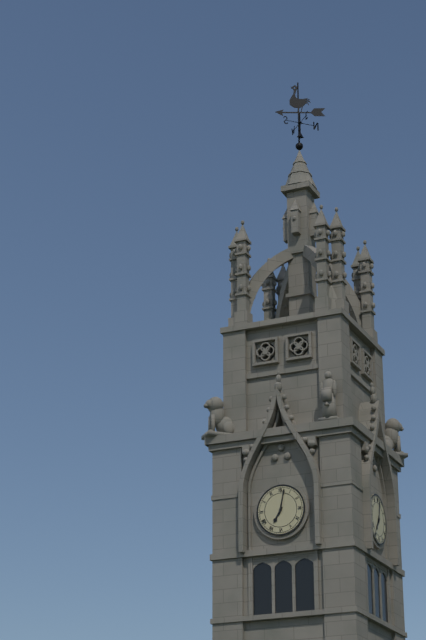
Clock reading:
7.02
